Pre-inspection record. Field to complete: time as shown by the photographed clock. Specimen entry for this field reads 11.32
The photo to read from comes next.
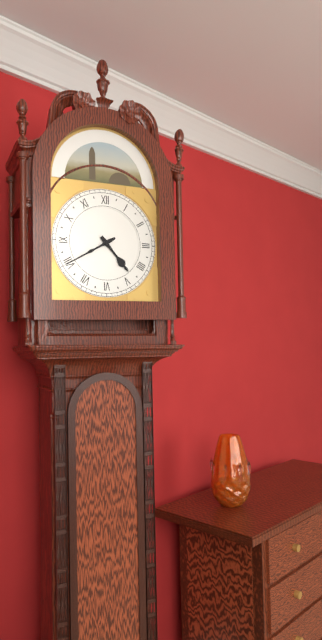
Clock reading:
4.40
